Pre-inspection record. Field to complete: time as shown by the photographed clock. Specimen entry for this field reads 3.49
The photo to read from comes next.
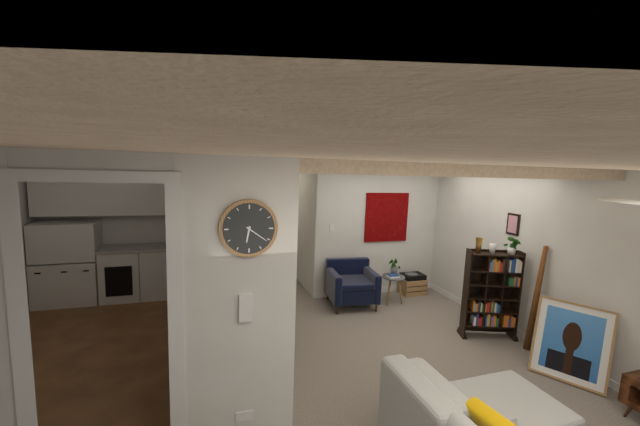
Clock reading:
6.21
